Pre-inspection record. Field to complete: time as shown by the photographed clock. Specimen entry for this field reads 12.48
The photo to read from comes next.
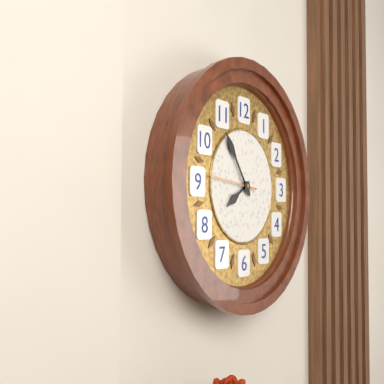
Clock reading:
7.54
